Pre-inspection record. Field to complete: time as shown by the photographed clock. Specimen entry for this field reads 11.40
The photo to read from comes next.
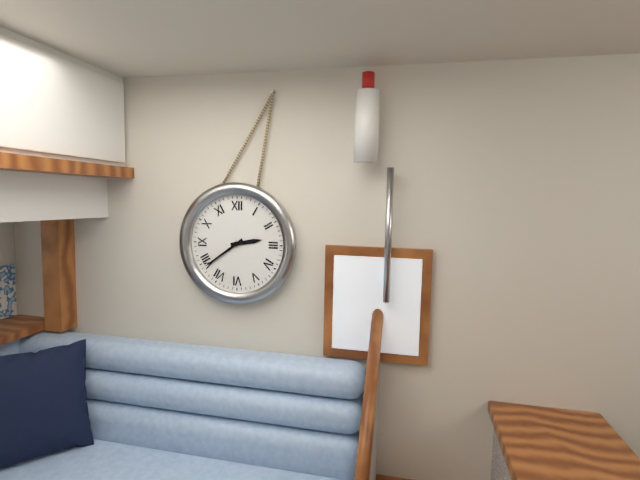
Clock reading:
2.39
